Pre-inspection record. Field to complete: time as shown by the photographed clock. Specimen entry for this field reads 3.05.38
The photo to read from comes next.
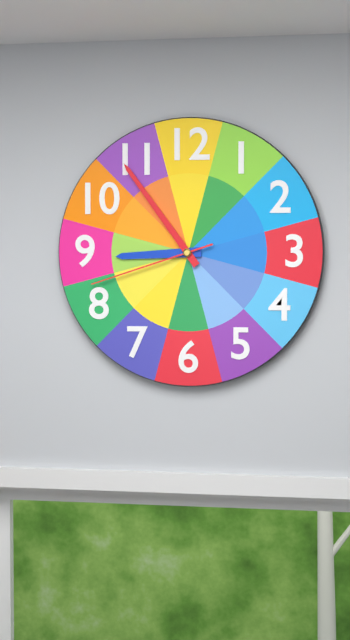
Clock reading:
8.54.42
